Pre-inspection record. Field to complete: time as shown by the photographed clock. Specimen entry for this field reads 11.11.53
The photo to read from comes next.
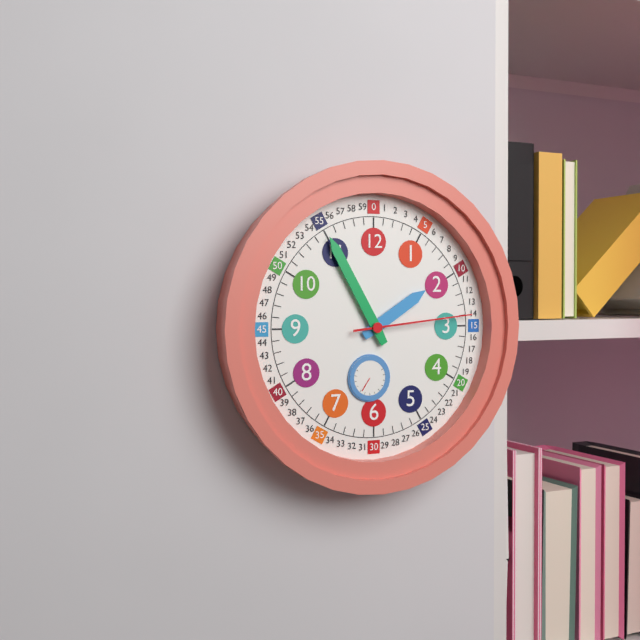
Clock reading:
1.55.14
